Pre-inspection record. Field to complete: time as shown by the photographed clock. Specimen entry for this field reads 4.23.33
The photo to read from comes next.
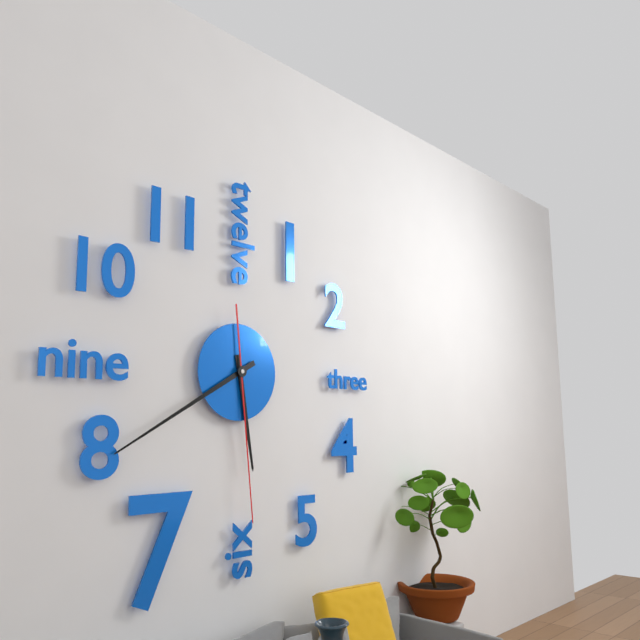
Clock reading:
5.40.29
